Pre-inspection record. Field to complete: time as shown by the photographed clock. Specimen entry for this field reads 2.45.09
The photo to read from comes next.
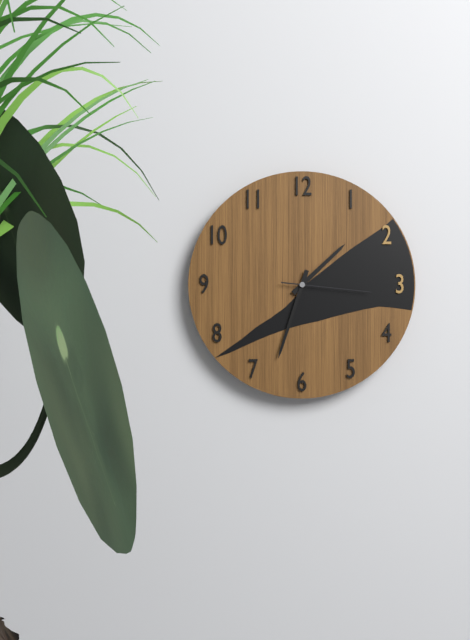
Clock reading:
1.33.16
